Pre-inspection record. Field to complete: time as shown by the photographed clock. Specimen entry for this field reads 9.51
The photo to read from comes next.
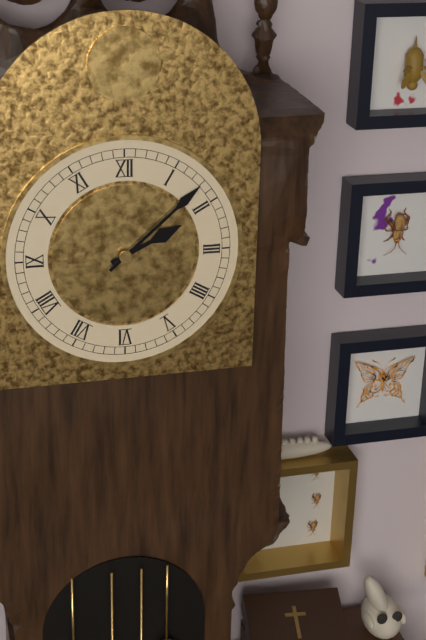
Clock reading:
2.08
